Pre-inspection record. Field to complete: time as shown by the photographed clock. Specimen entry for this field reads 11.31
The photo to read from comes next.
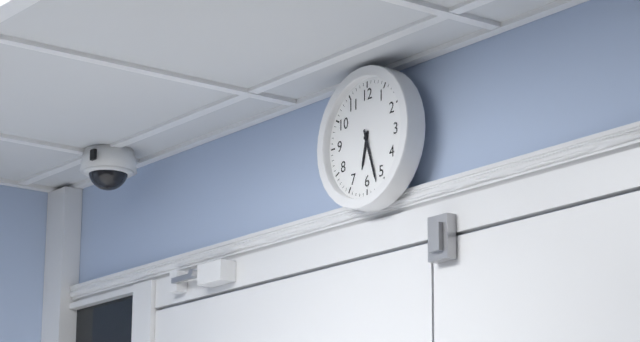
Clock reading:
6.27
